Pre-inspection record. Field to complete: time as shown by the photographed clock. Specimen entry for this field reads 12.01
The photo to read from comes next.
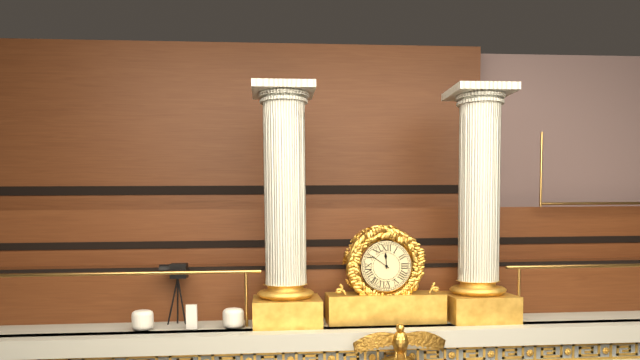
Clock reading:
11.51
